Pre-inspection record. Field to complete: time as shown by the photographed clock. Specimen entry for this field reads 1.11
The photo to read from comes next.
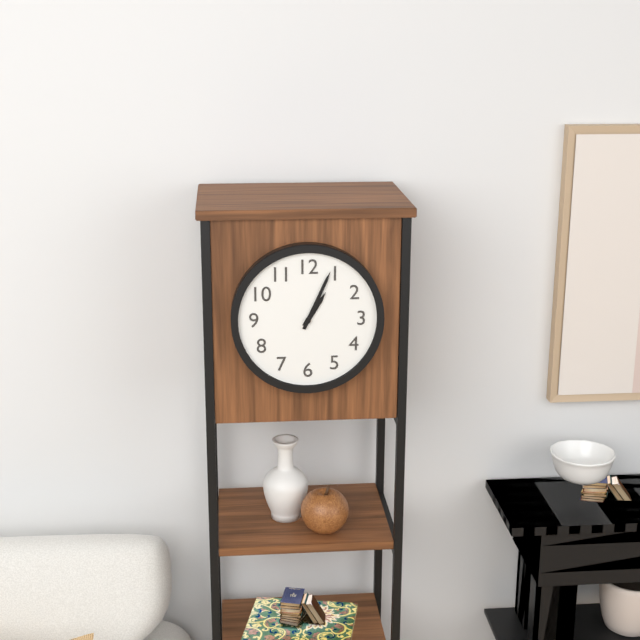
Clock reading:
1.04
